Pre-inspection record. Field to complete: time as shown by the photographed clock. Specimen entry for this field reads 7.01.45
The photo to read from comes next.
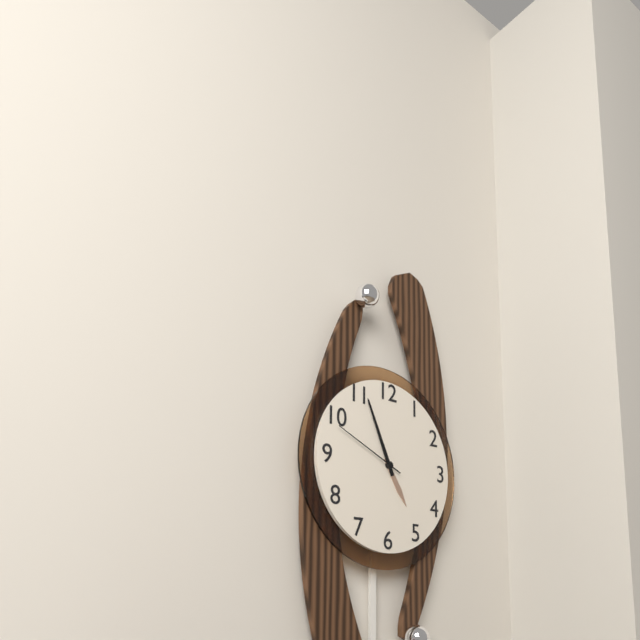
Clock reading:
4.56.49
